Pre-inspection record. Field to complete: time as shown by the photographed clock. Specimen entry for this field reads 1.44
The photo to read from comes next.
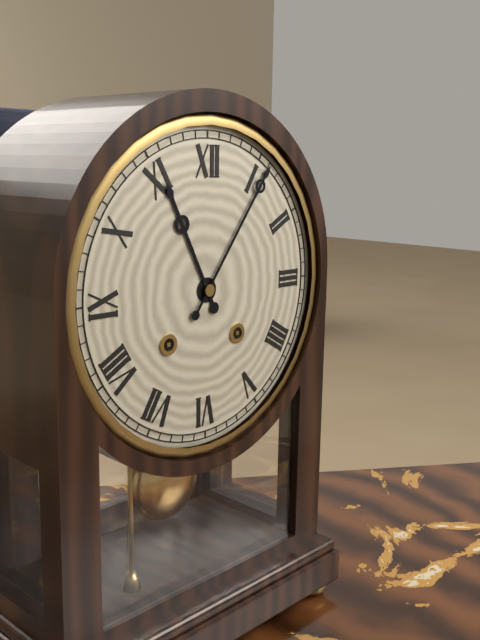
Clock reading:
11.06
